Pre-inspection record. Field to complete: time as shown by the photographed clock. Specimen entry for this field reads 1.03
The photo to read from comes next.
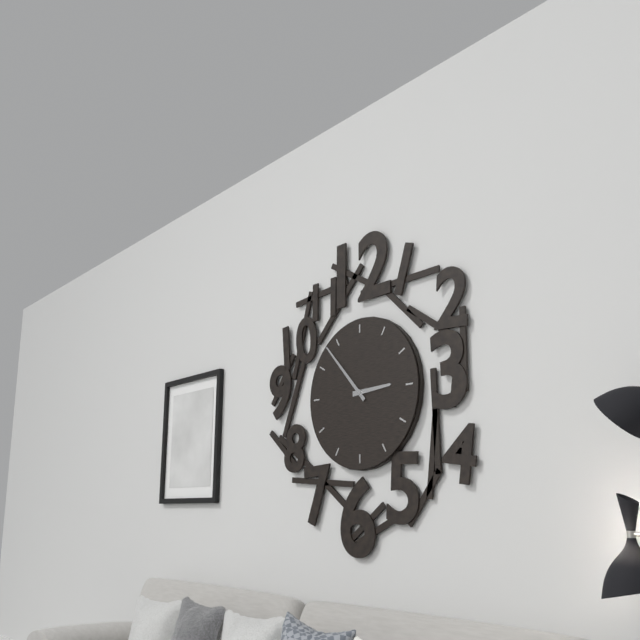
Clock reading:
2.53
